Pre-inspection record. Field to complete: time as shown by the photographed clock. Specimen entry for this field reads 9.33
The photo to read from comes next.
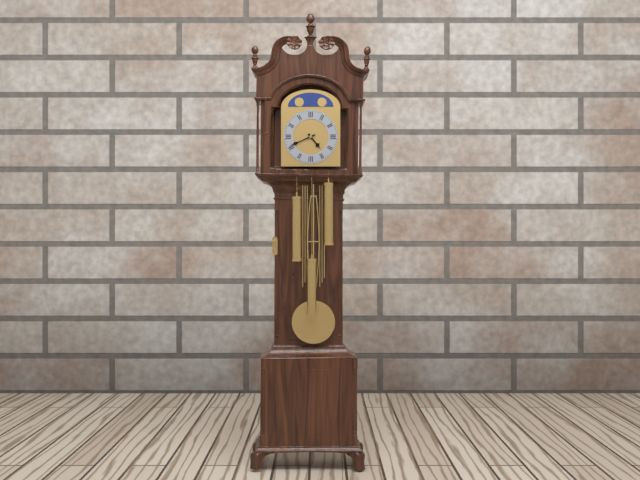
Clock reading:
4.41
